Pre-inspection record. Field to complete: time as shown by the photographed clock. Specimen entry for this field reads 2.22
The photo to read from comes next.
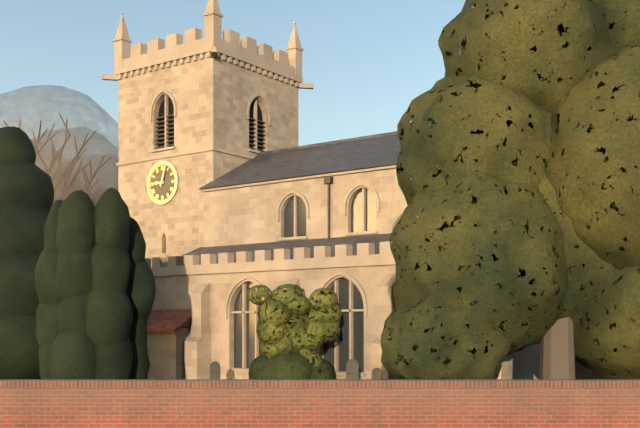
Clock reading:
9.03
